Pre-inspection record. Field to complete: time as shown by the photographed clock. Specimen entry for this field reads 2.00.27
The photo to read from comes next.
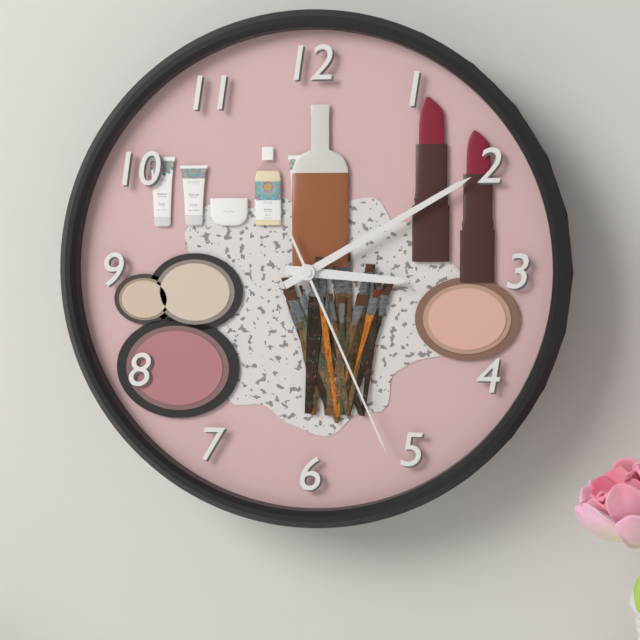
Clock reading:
3.10.26
